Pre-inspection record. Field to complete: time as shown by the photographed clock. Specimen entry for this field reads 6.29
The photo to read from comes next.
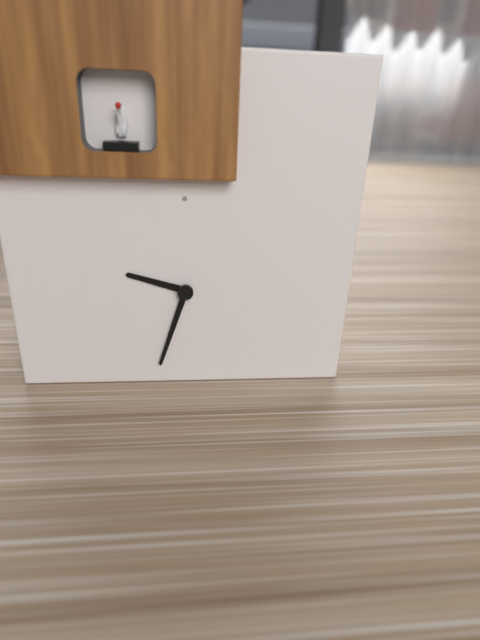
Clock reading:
9.33
